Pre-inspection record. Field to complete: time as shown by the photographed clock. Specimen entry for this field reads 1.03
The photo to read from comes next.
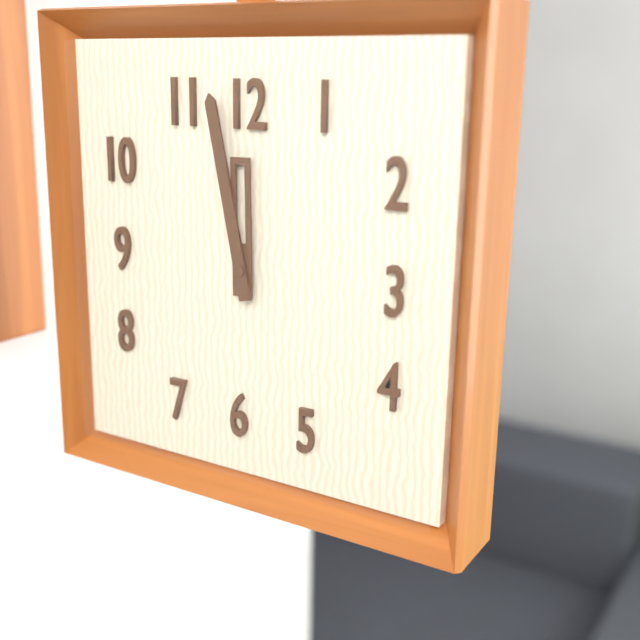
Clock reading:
11.58
